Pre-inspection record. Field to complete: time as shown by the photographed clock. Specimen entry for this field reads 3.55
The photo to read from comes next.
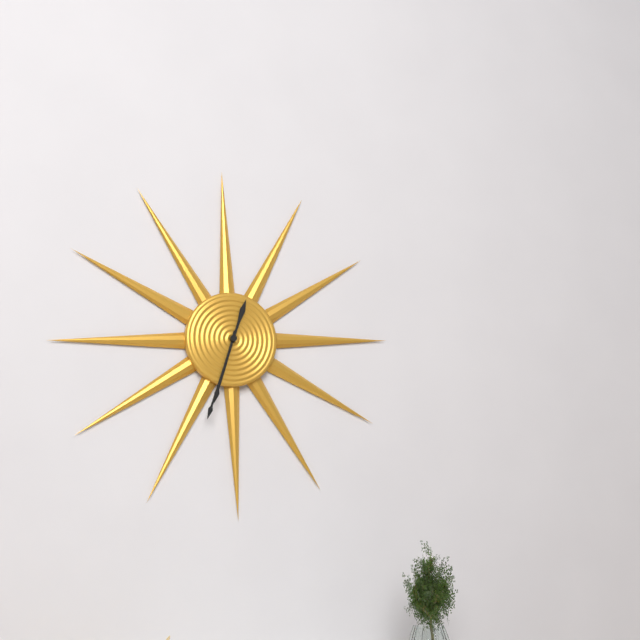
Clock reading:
6.33
